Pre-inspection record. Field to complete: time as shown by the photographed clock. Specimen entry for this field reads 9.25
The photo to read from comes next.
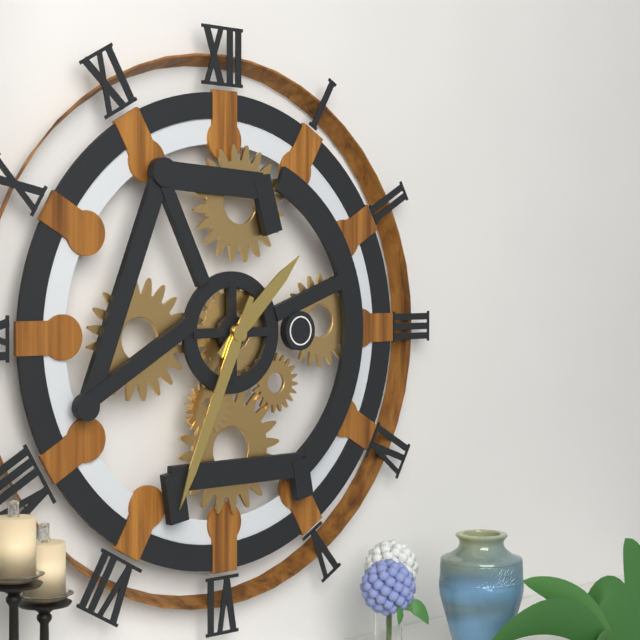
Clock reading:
1.34
